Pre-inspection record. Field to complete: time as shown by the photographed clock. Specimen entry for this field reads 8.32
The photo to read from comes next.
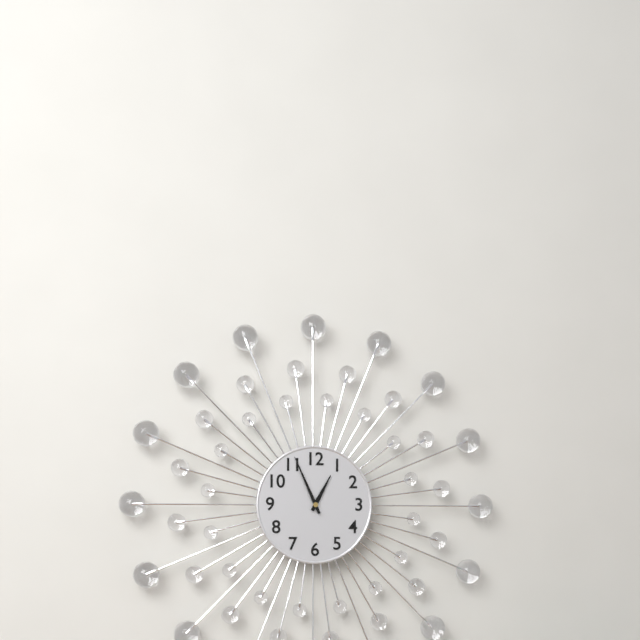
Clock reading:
12.56
